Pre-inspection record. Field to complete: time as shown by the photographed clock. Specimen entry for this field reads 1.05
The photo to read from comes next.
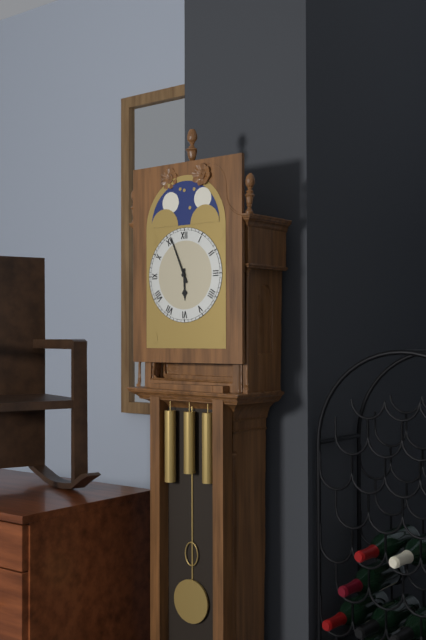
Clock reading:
5.56
